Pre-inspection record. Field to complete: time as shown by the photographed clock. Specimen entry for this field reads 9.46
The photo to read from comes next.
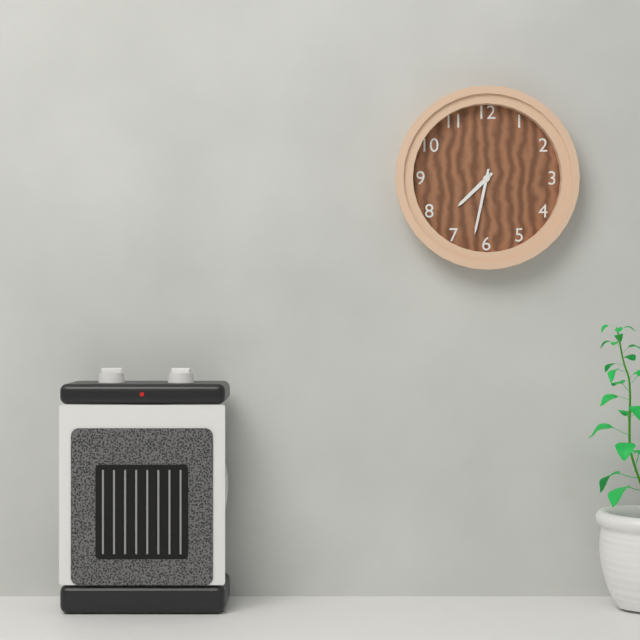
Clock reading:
7.32
